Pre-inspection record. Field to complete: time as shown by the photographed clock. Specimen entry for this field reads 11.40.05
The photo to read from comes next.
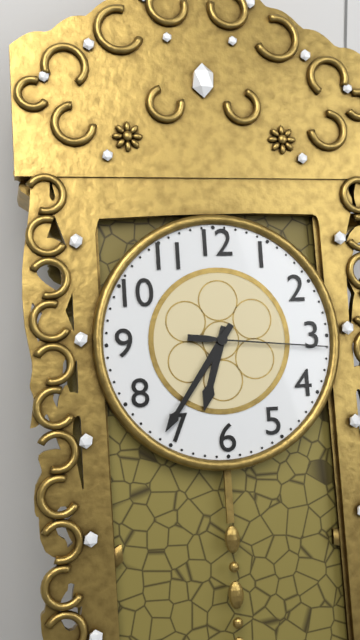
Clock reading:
6.36.16
